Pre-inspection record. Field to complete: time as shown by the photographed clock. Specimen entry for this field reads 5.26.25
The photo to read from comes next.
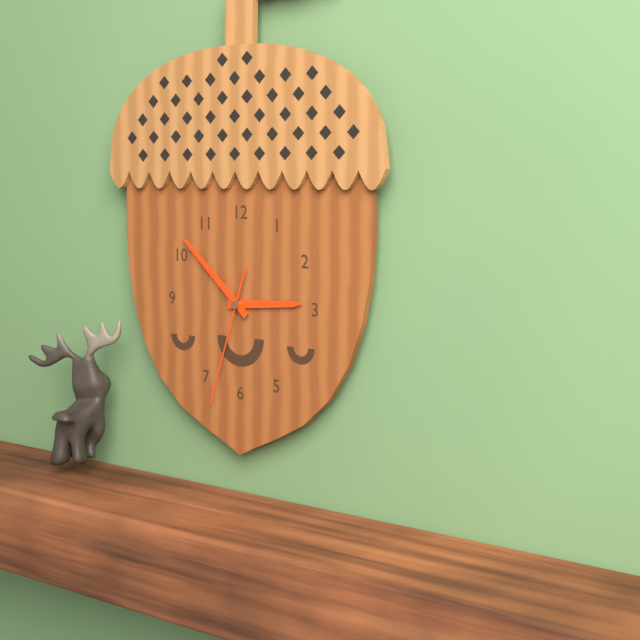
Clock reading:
2.52.33
